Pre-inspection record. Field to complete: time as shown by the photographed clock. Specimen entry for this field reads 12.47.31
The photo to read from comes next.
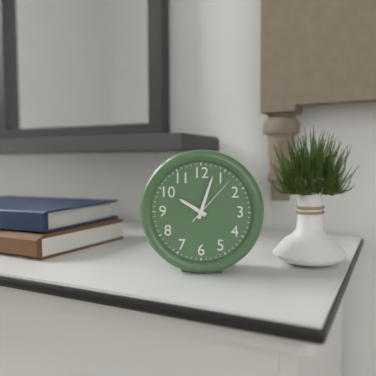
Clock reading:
10.03.07
